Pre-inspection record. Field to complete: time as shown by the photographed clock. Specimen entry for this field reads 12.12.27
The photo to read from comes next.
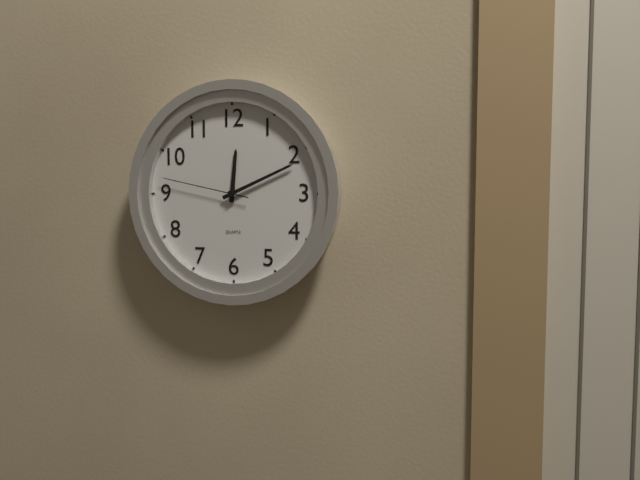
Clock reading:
12.11.47
